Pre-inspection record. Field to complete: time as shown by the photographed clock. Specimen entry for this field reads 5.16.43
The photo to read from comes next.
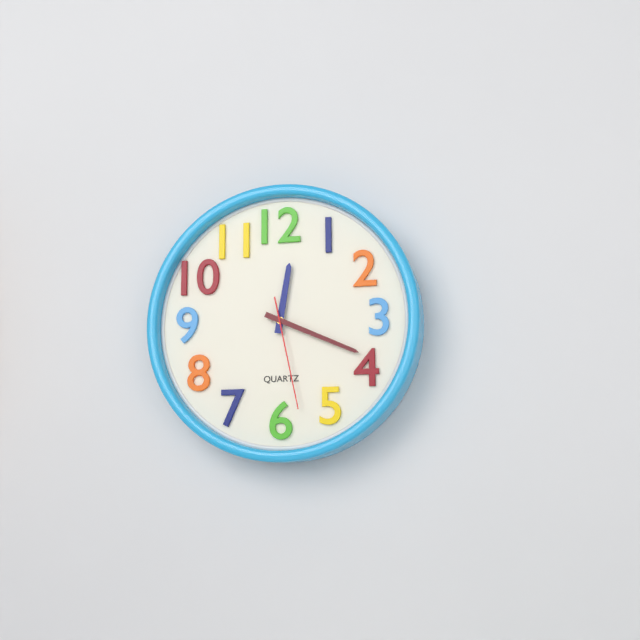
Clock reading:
12.19.28
